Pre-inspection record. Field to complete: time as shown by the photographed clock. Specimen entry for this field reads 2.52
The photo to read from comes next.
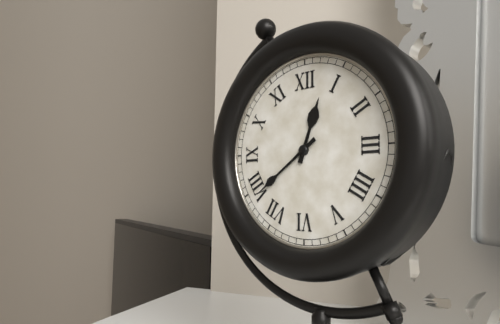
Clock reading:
12.39
